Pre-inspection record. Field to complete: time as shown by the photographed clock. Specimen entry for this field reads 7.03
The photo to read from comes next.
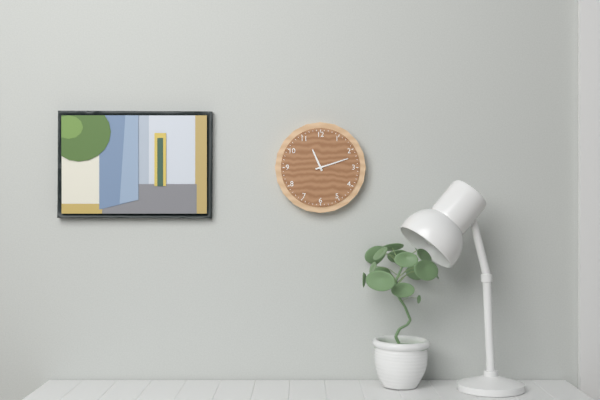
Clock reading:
11.12
